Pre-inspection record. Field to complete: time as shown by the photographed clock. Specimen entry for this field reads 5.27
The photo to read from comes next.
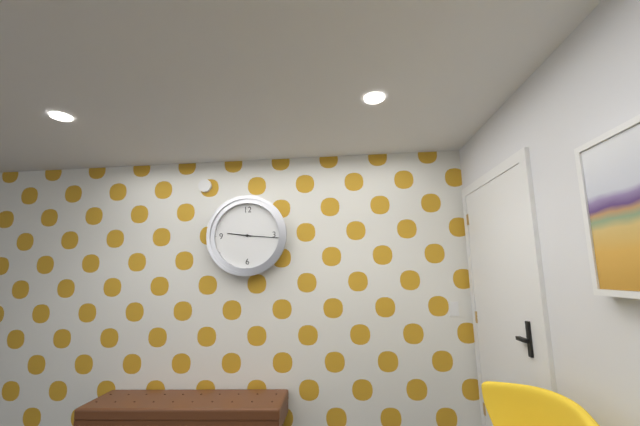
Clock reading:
9.16
